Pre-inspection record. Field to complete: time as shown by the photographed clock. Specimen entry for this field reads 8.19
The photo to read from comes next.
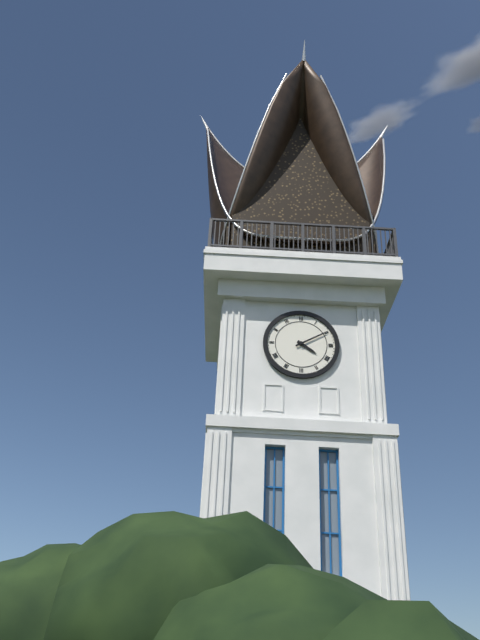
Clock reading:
4.10
